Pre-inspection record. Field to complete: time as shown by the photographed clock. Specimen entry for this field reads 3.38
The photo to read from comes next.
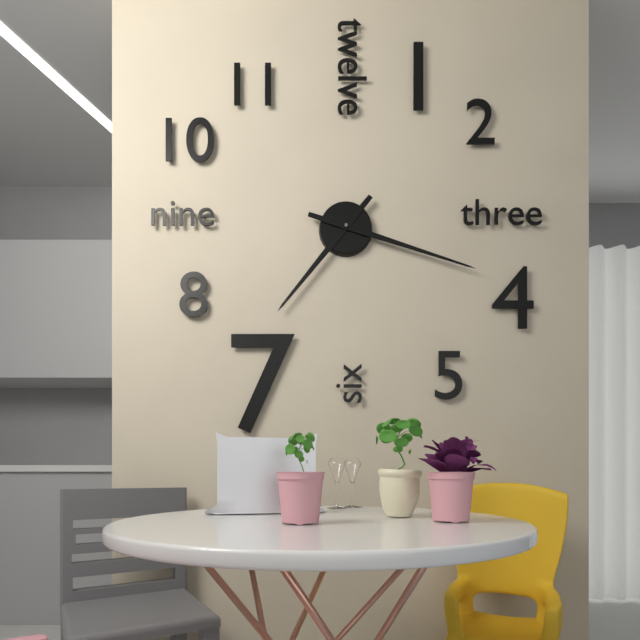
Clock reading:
7.18
